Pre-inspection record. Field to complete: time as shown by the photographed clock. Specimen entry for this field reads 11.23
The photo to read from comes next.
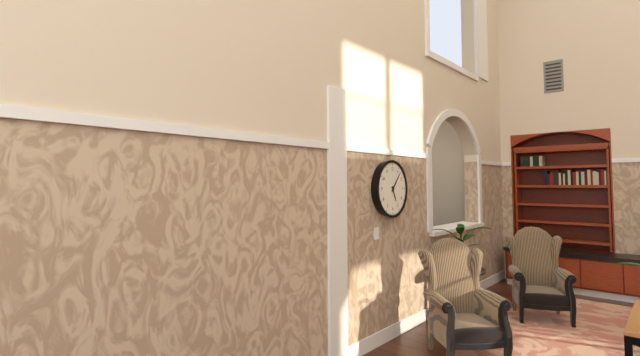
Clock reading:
5.07
